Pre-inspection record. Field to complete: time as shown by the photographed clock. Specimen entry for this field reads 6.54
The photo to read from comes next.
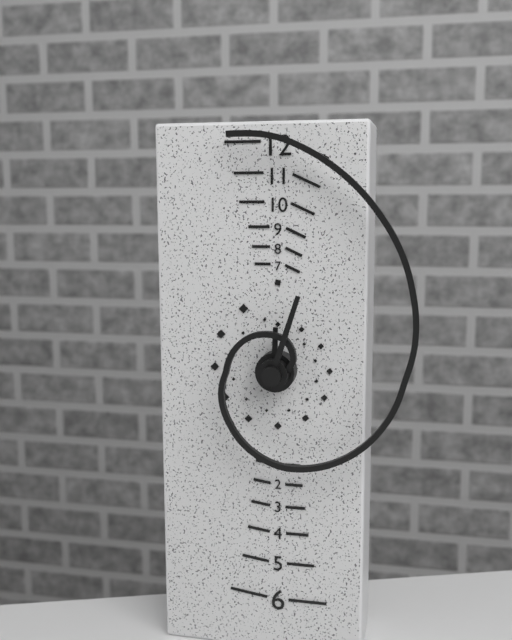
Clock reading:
12.03
